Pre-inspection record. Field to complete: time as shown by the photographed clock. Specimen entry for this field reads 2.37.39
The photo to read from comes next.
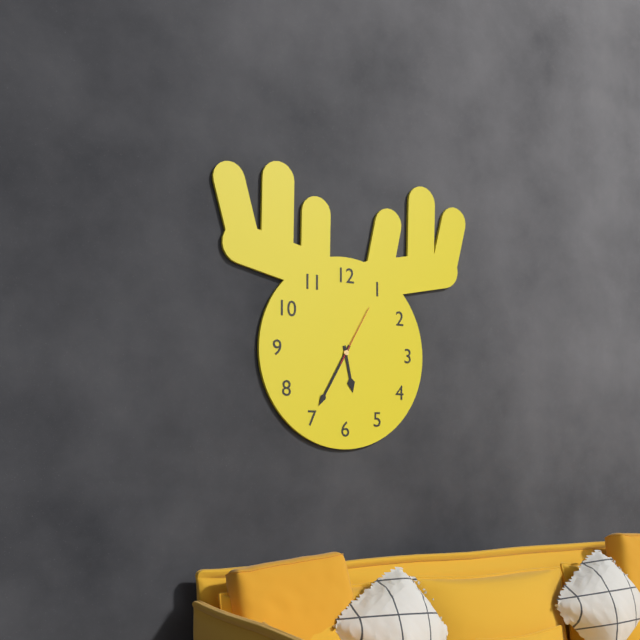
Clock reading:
5.35.05
